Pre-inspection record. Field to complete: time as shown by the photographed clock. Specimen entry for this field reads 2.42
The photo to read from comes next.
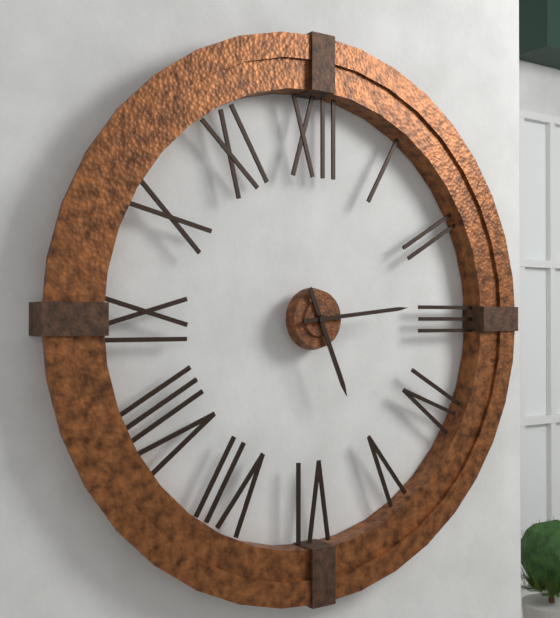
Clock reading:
5.14
